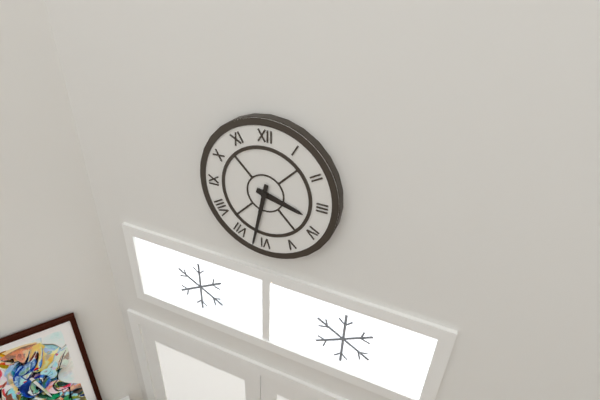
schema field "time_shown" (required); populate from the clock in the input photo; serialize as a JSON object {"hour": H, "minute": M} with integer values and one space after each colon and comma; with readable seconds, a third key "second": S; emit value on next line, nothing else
{"hour": 3, "minute": 32}
